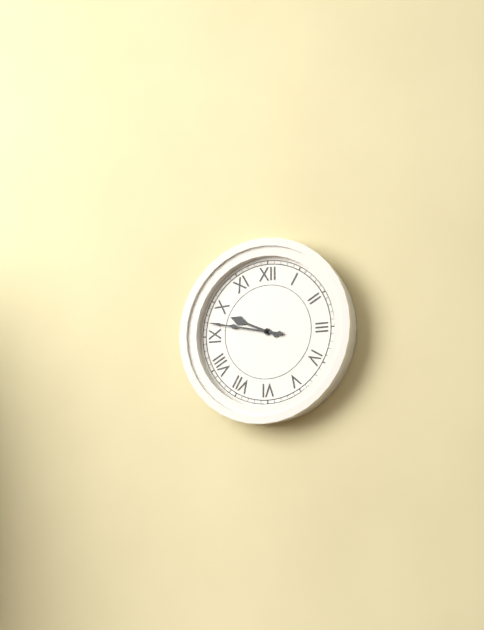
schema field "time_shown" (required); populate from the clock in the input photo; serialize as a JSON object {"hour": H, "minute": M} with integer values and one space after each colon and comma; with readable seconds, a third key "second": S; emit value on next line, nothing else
{"hour": 9, "minute": 47}
